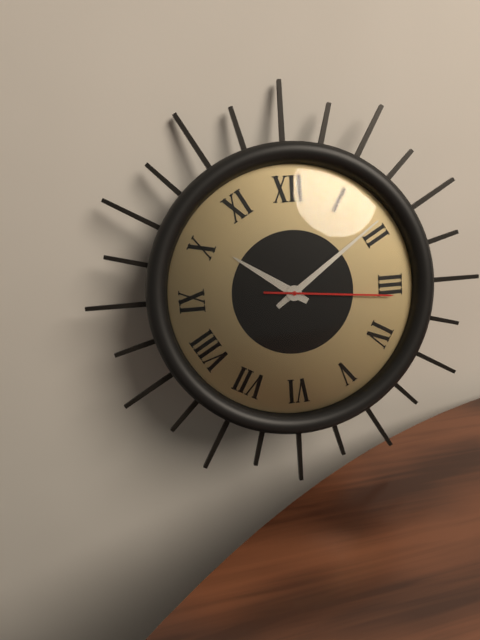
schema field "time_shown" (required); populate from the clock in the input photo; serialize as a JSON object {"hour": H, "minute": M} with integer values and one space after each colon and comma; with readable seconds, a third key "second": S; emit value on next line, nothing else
{"hour": 10, "minute": 9, "second": 16}
